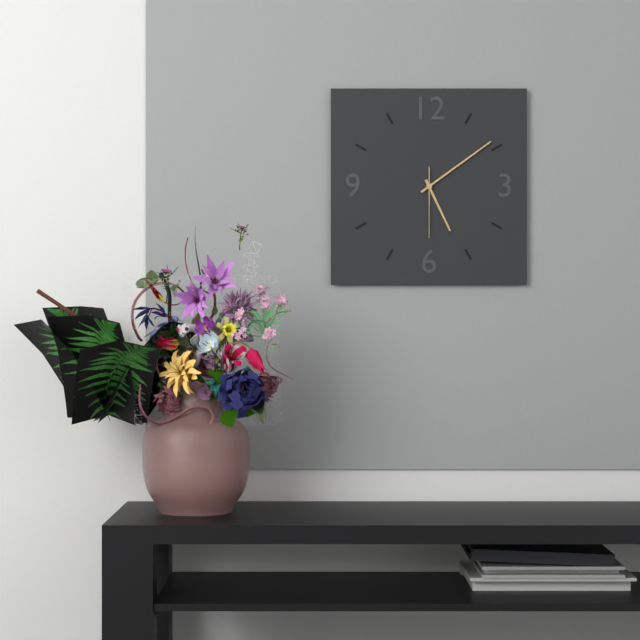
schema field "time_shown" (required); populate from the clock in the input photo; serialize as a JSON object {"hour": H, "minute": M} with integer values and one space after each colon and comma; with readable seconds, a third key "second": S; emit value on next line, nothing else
{"hour": 5, "minute": 9, "second": 30}
